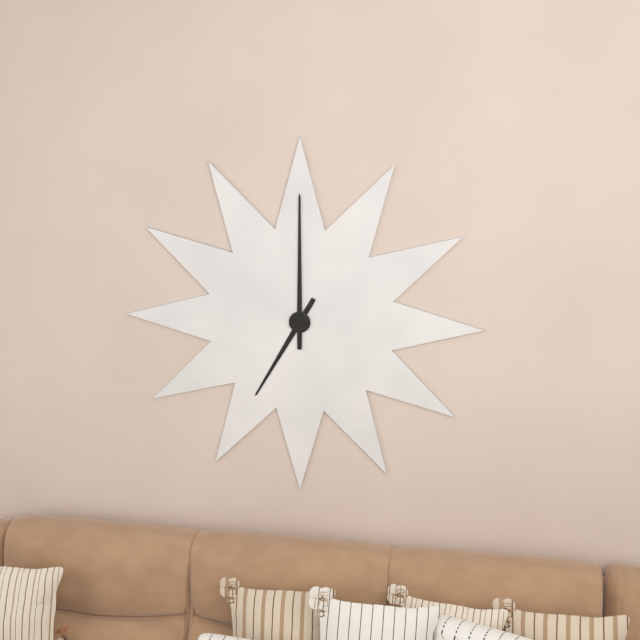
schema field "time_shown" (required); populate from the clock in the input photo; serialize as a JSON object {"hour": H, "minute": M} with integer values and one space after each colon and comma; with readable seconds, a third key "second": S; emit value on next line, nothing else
{"hour": 7, "minute": 0}
